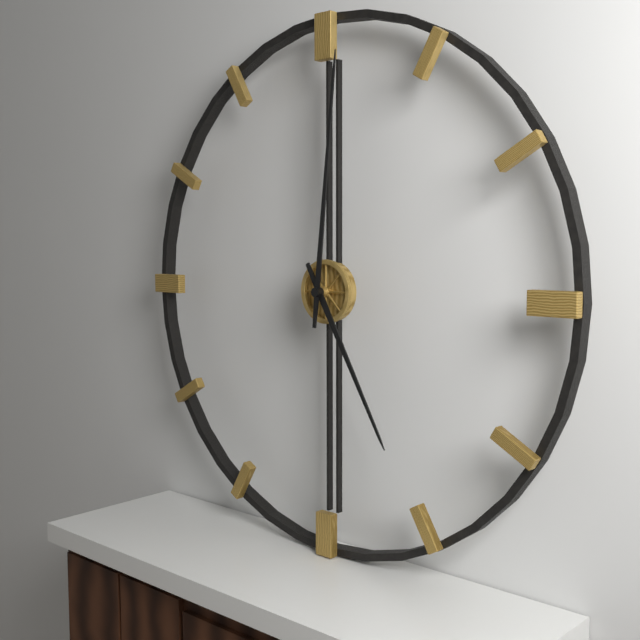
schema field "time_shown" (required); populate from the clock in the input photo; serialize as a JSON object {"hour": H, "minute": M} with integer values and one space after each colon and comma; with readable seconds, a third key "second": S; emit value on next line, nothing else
{"hour": 5, "minute": 1}
